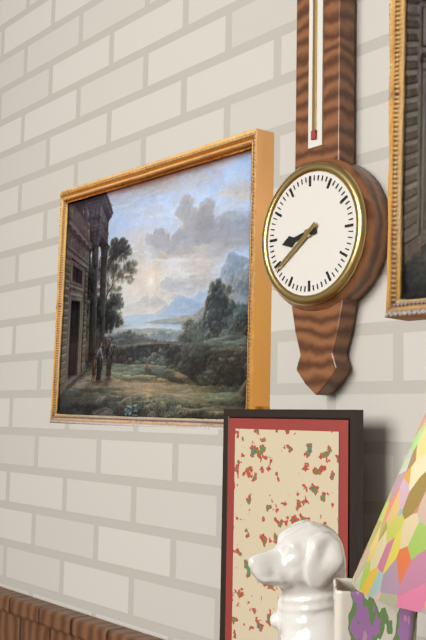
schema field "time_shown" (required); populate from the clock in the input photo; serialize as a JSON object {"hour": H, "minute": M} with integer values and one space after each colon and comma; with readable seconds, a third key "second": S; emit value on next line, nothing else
{"hour": 8, "minute": 39}
